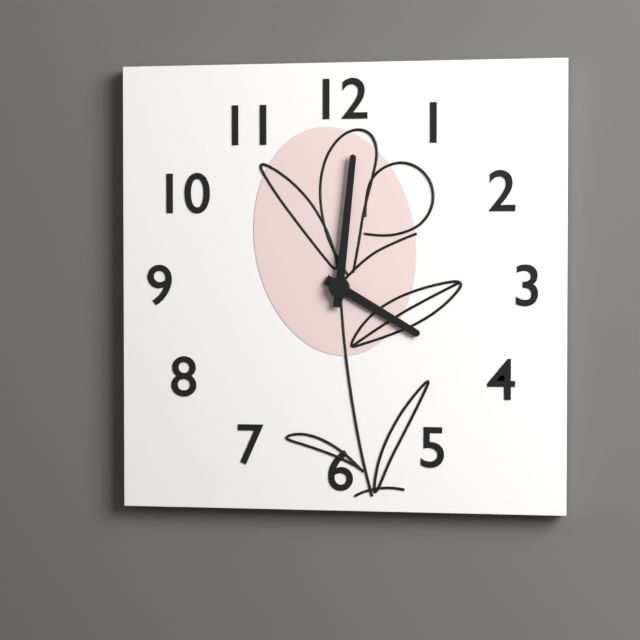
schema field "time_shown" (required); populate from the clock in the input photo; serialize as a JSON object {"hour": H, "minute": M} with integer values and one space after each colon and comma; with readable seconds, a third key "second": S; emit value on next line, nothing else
{"hour": 4, "minute": 1}
